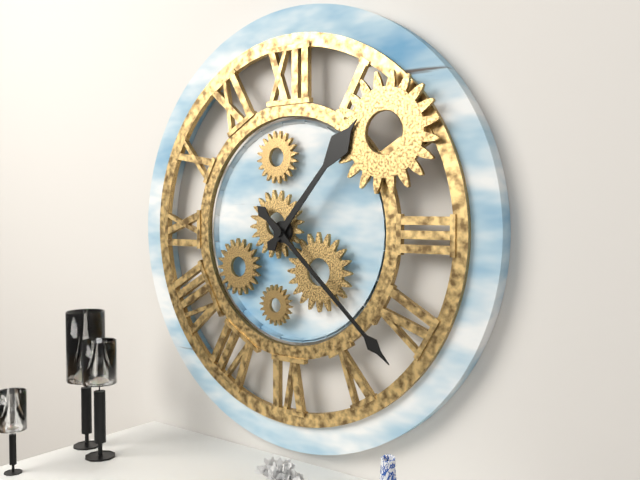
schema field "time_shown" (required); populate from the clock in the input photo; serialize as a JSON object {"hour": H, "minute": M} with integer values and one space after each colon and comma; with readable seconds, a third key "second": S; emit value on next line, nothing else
{"hour": 1, "minute": 22}
